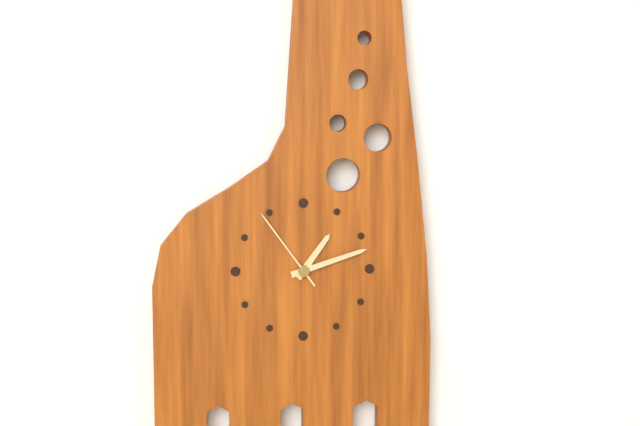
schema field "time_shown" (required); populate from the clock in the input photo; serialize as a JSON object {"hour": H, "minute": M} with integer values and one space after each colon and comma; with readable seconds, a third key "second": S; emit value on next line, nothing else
{"hour": 1, "minute": 12, "second": 54}
